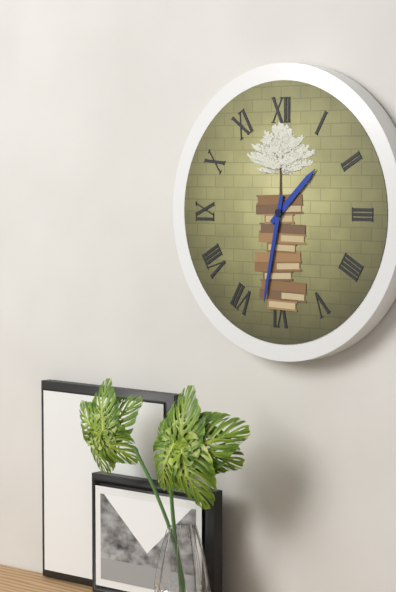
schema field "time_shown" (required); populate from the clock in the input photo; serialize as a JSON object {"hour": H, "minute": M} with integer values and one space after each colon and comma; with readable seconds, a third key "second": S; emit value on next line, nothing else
{"hour": 1, "minute": 32}
